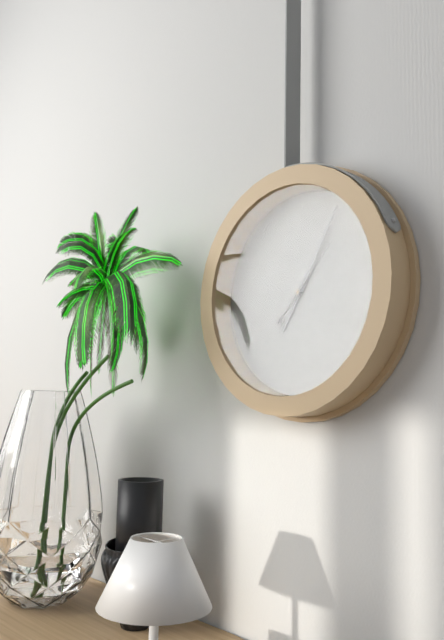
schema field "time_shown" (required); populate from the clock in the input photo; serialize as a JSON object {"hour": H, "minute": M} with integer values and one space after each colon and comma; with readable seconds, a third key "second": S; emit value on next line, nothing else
{"hour": 7, "minute": 5, "second": 7}
